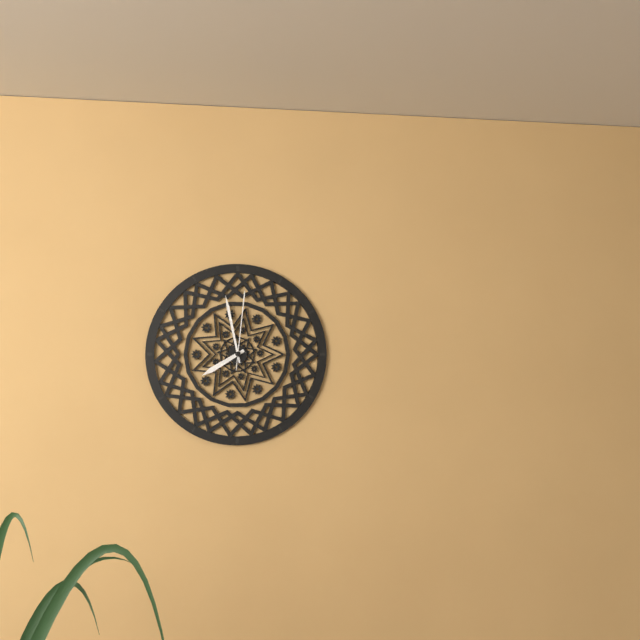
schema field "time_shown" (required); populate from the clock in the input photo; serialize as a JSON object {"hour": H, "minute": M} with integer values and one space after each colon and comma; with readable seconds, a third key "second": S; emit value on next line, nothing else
{"hour": 7, "minute": 58, "second": 1}
